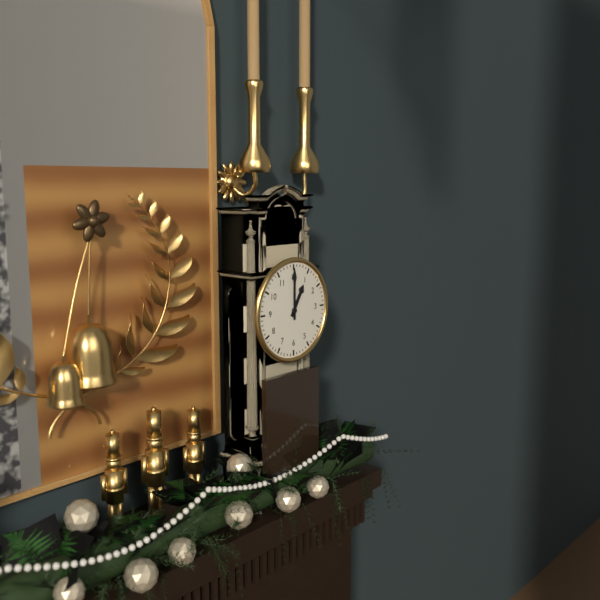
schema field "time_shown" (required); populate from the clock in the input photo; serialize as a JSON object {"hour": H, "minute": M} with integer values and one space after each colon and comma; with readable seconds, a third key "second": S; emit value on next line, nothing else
{"hour": 1, "minute": 0}
